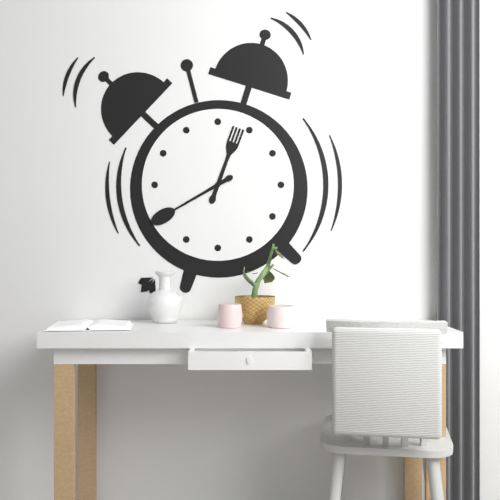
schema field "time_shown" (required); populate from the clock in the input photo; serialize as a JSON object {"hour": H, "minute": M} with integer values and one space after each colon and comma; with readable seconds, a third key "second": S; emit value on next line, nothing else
{"hour": 12, "minute": 40}
